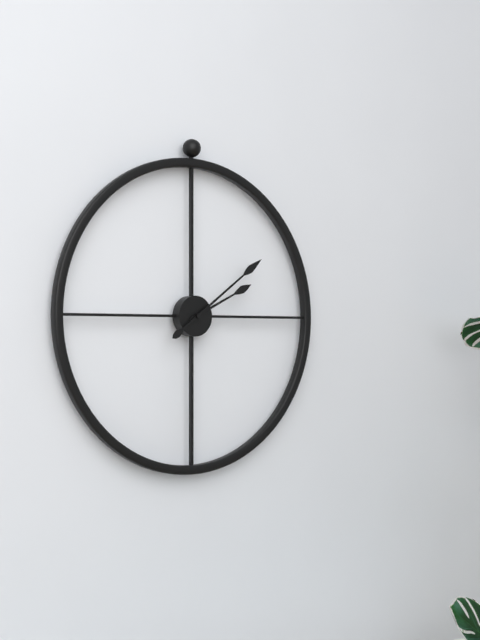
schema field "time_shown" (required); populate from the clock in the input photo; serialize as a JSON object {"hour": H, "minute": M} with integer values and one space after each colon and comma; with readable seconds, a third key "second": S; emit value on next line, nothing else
{"hour": 2, "minute": 9}
